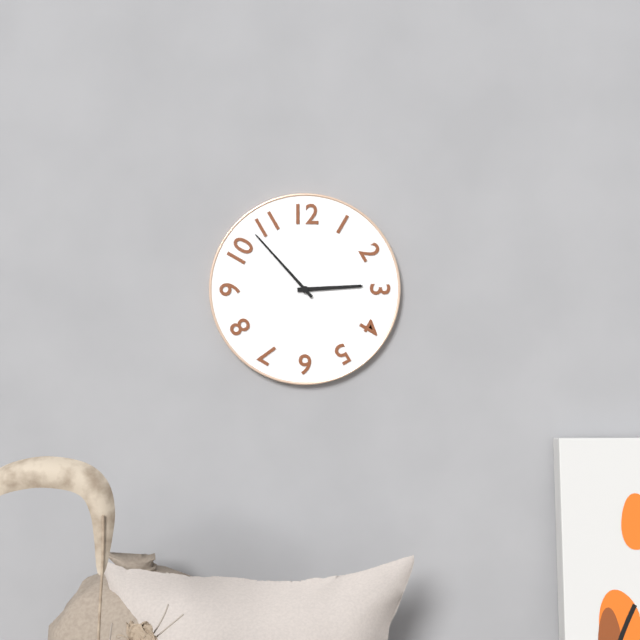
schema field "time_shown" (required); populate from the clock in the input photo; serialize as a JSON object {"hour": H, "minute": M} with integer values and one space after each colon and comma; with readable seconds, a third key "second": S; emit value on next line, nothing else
{"hour": 2, "minute": 53}
